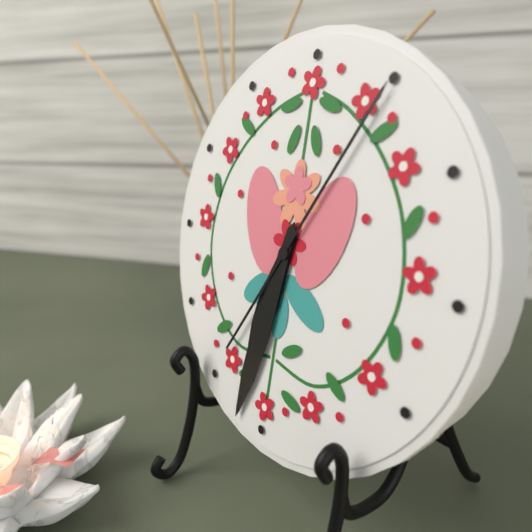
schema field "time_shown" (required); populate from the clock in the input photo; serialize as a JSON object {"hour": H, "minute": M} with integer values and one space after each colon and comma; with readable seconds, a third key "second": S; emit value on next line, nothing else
{"hour": 6, "minute": 32, "second": 5}
